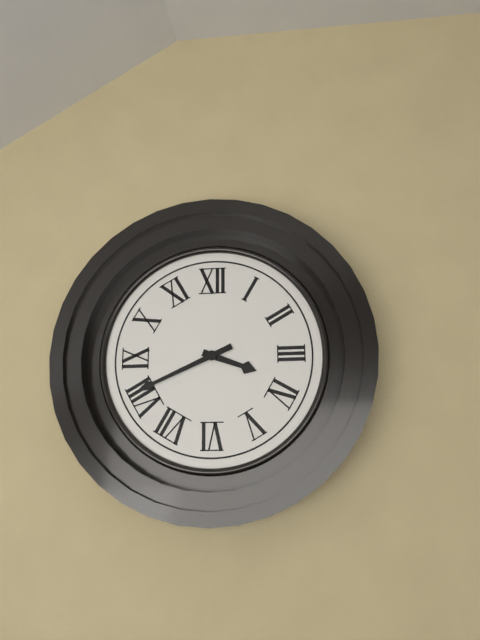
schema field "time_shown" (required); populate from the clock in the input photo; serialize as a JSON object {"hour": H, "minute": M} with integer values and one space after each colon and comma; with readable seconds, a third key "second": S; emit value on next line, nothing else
{"hour": 3, "minute": 41}
